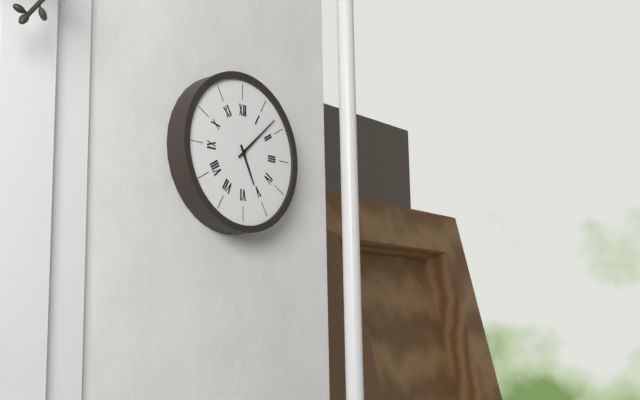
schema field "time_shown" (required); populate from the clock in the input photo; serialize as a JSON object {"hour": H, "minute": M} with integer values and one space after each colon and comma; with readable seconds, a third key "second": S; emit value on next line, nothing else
{"hour": 5, "minute": 8}
